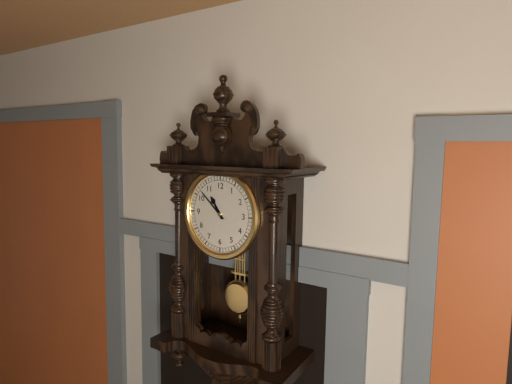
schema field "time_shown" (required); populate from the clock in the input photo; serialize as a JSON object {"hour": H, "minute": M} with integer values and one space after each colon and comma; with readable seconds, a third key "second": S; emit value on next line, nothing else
{"hour": 10, "minute": 52}
